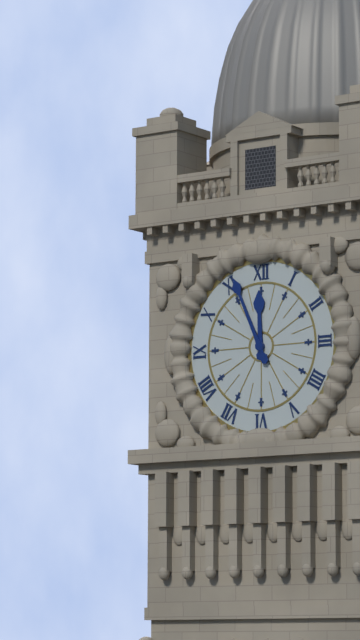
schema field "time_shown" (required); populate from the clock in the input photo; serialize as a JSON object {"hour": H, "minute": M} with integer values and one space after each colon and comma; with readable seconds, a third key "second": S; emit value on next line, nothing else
{"hour": 11, "minute": 56}
